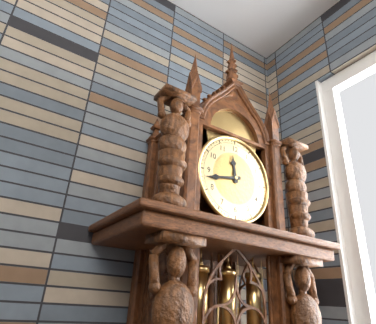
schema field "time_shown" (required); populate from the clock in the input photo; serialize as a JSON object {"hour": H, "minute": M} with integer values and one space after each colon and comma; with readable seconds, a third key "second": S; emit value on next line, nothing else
{"hour": 11, "minute": 43}
